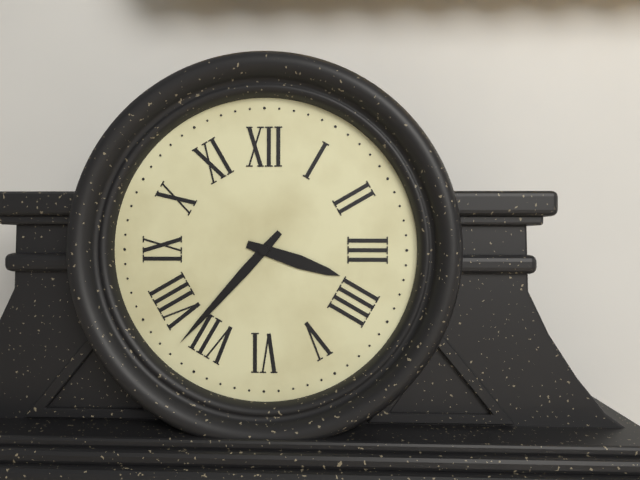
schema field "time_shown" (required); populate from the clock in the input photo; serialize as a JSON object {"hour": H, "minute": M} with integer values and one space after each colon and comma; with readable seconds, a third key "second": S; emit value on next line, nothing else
{"hour": 3, "minute": 37}
